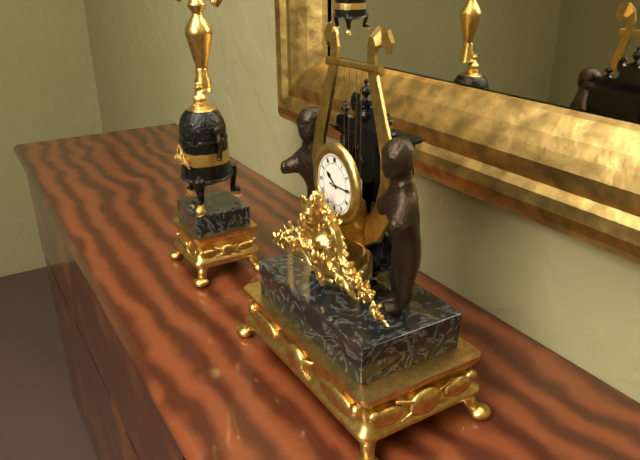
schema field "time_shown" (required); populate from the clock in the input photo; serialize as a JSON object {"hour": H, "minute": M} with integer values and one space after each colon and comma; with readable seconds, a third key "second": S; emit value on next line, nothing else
{"hour": 10, "minute": 15}
